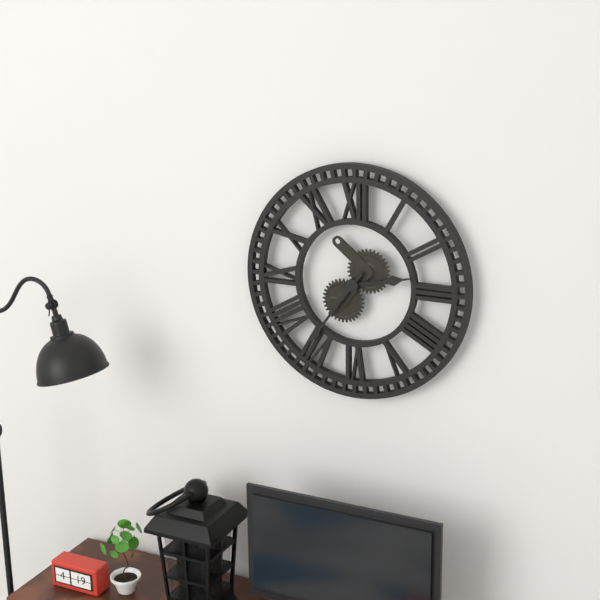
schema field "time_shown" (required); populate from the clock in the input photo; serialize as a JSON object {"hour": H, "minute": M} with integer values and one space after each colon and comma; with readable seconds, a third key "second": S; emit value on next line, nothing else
{"hour": 2, "minute": 36}
